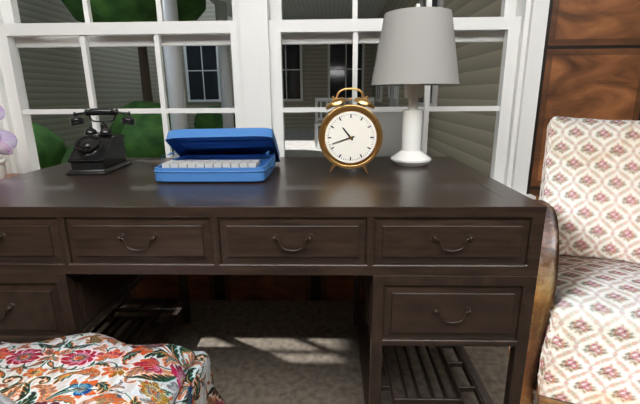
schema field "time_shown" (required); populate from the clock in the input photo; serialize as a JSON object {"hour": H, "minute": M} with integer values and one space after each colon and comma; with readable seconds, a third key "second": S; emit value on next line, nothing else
{"hour": 10, "minute": 42}
